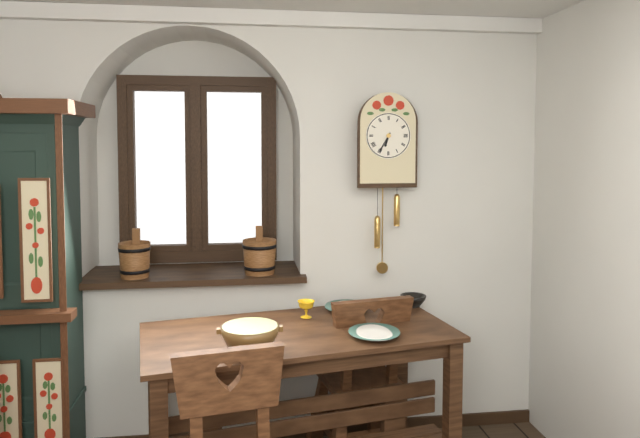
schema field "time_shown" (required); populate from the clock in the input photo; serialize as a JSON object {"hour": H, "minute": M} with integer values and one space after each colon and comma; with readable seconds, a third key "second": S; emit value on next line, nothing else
{"hour": 6, "minute": 35}
